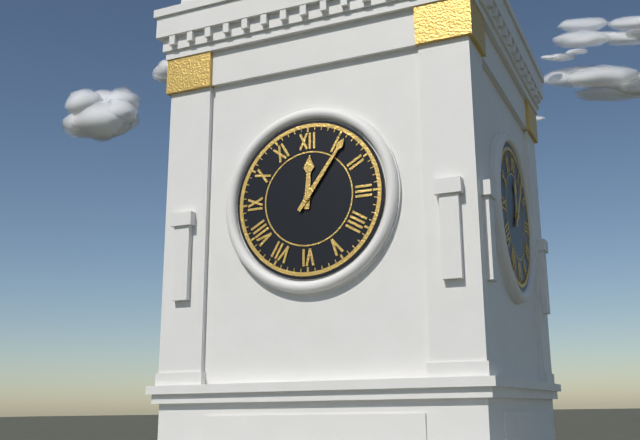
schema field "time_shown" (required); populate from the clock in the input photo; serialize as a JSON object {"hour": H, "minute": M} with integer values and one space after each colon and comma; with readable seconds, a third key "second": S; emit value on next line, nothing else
{"hour": 12, "minute": 6}
